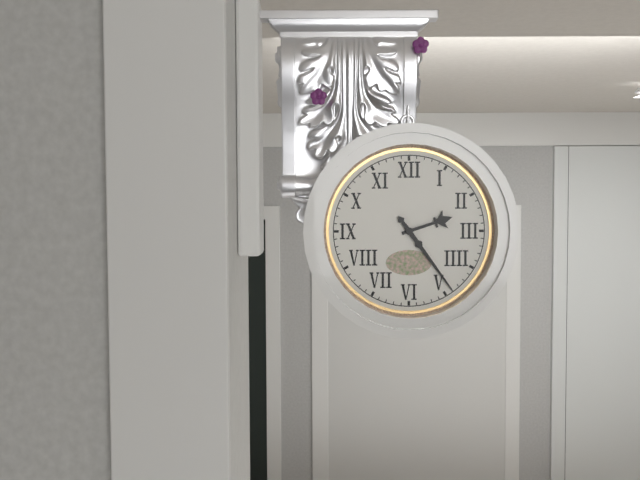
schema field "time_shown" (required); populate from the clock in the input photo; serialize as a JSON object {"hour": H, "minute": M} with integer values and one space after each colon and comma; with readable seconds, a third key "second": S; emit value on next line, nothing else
{"hour": 2, "minute": 24}
